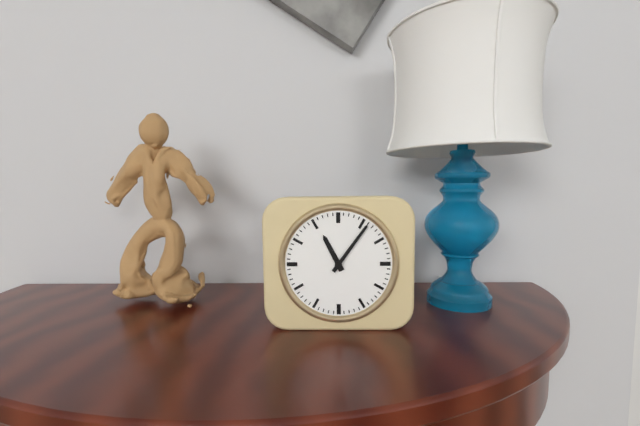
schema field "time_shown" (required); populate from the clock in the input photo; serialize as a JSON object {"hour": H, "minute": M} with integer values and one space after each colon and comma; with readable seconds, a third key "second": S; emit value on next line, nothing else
{"hour": 11, "minute": 6}
